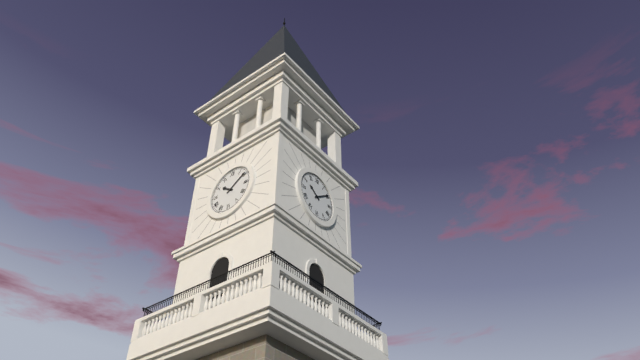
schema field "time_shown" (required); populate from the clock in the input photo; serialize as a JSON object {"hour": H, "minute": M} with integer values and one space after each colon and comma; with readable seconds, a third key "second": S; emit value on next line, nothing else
{"hour": 10, "minute": 9}
